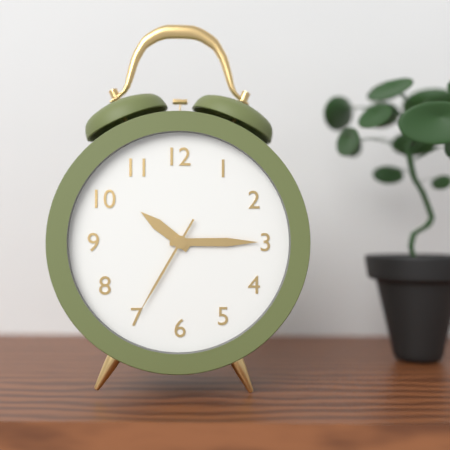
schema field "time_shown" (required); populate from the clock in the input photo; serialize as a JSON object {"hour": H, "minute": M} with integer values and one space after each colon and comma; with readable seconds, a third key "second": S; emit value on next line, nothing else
{"hour": 10, "minute": 15, "second": 35}
